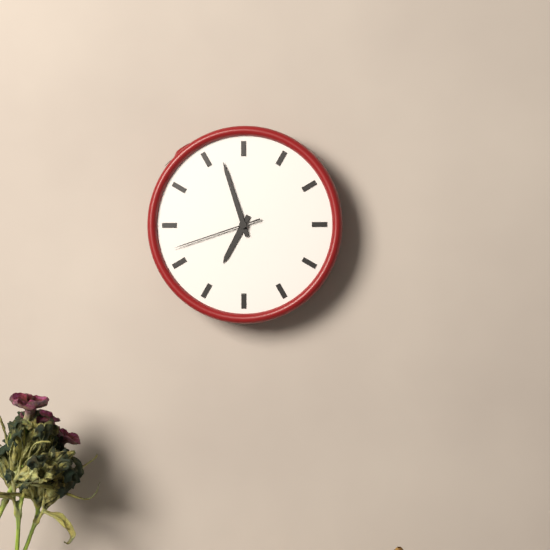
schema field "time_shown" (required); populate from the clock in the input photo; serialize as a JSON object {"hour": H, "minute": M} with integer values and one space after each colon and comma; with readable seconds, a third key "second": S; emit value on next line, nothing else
{"hour": 6, "minute": 57, "second": 42}
